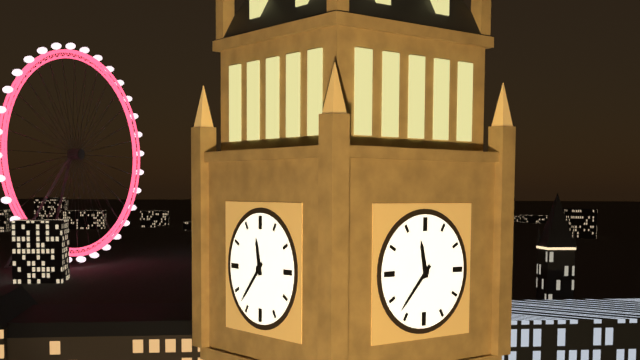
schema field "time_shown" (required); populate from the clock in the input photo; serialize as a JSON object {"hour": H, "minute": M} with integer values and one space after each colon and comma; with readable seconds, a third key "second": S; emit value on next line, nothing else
{"hour": 11, "minute": 37}
